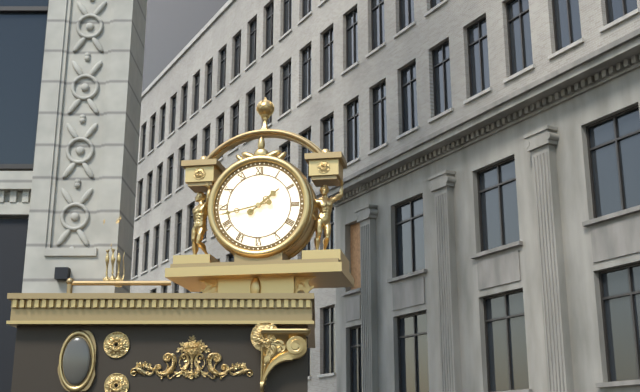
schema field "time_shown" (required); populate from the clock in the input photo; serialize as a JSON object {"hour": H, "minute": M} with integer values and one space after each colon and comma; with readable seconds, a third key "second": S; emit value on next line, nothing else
{"hour": 1, "minute": 43}
